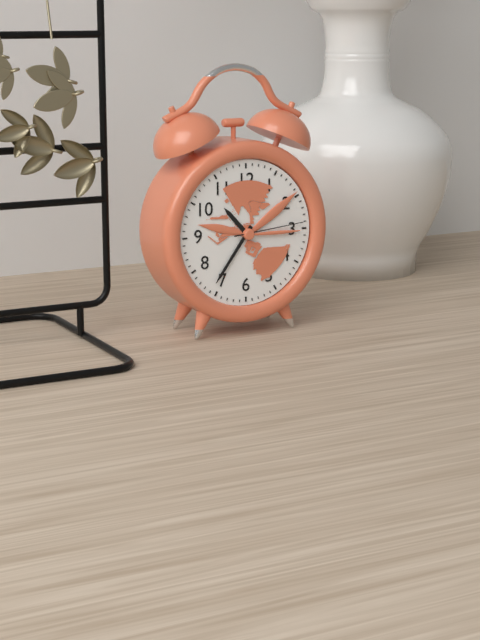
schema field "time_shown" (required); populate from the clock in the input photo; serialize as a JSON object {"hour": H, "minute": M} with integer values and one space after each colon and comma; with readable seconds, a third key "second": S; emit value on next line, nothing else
{"hour": 10, "minute": 36, "second": 14}
